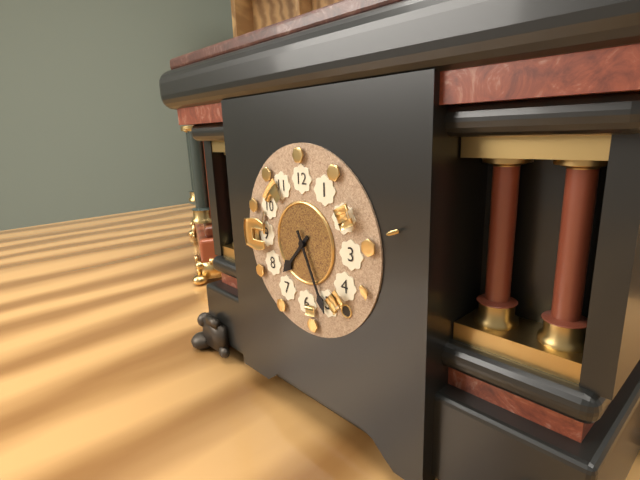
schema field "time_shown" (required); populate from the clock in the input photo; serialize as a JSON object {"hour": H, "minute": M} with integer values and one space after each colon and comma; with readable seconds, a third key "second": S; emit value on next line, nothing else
{"hour": 7, "minute": 26}
